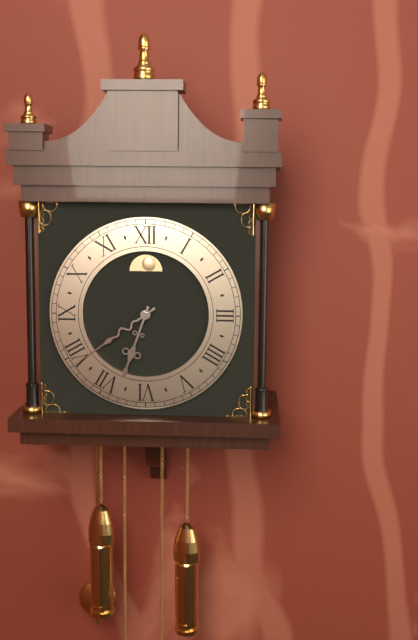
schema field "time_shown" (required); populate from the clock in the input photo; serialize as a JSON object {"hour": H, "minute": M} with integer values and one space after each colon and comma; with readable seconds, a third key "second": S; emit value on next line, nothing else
{"hour": 6, "minute": 39}
